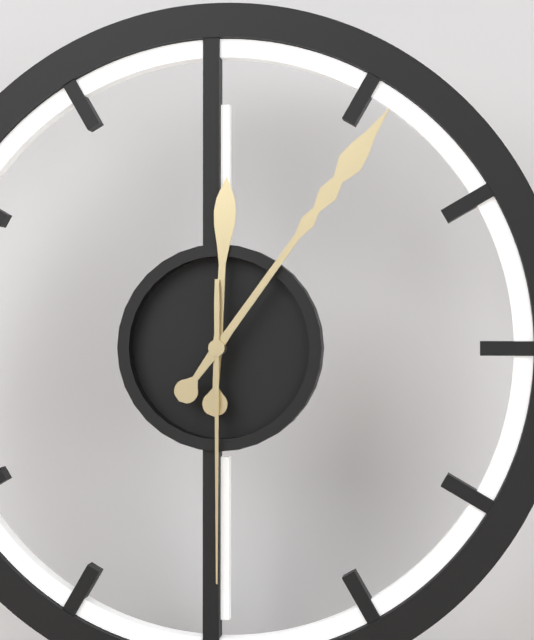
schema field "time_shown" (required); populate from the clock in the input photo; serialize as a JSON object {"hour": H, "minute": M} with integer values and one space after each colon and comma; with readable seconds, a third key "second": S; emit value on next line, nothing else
{"hour": 12, "minute": 6, "second": 30}
